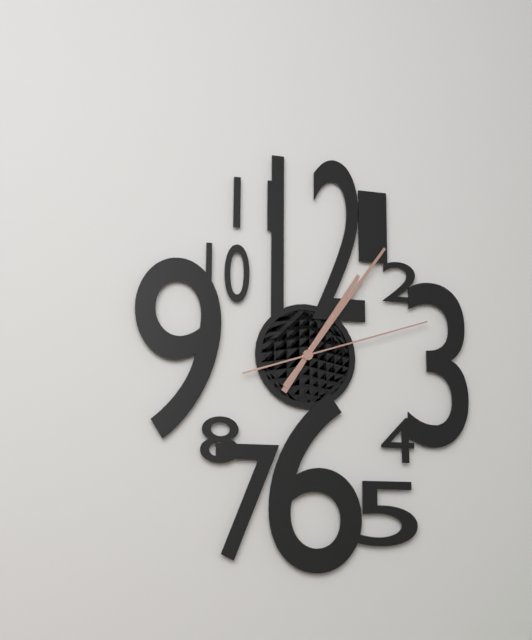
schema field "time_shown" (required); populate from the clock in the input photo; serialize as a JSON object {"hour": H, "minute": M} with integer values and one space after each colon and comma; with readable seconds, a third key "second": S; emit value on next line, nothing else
{"hour": 1, "minute": 6, "second": 12}
